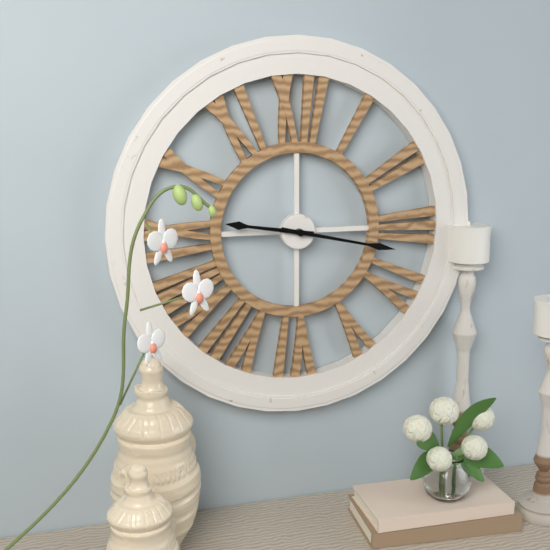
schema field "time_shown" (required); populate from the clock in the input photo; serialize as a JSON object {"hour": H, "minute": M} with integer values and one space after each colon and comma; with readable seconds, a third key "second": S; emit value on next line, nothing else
{"hour": 9, "minute": 17}
